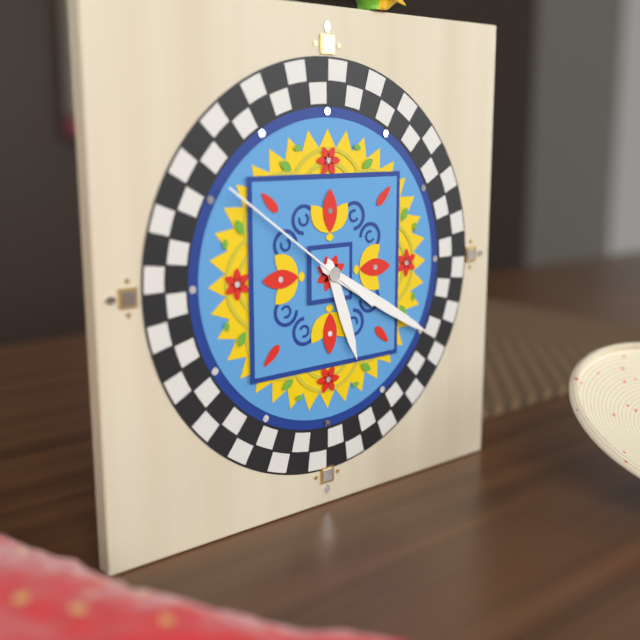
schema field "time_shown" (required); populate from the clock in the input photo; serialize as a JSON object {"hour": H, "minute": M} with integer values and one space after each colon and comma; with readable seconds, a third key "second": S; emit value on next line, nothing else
{"hour": 5, "minute": 20, "second": 51}
